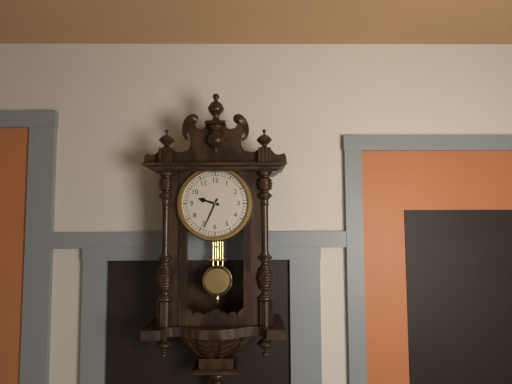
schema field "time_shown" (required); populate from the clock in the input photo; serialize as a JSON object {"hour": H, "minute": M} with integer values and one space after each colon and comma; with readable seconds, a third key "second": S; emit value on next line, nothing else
{"hour": 9, "minute": 34}
